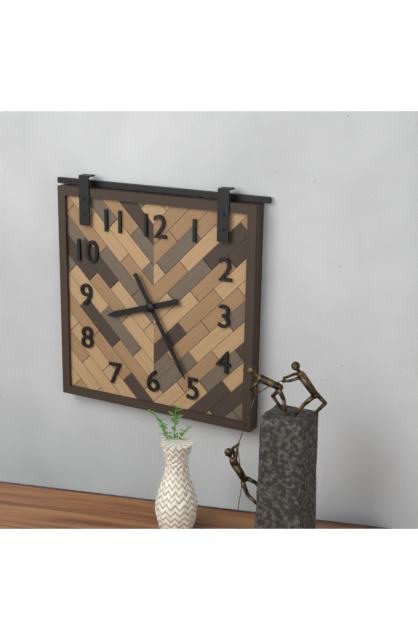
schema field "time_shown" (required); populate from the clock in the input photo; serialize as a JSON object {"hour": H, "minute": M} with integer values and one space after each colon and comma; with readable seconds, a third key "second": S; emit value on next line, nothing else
{"hour": 8, "minute": 25}
